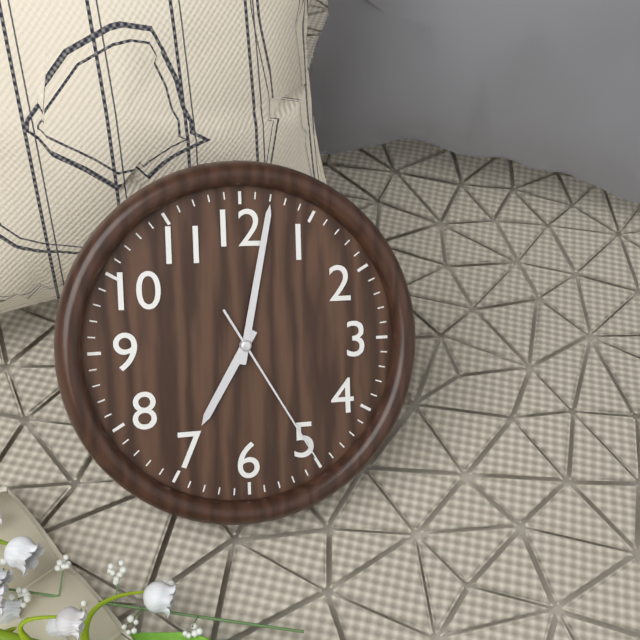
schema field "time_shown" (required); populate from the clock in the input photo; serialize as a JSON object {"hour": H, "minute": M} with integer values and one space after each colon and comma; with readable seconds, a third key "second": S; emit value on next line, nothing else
{"hour": 7, "minute": 2, "second": 25}
